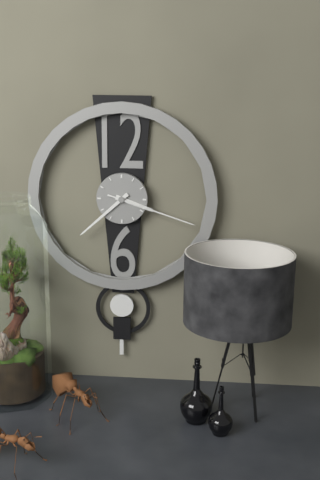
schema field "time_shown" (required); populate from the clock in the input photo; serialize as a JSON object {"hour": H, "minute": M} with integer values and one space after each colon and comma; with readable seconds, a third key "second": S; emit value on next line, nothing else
{"hour": 3, "minute": 38, "second": 18}
